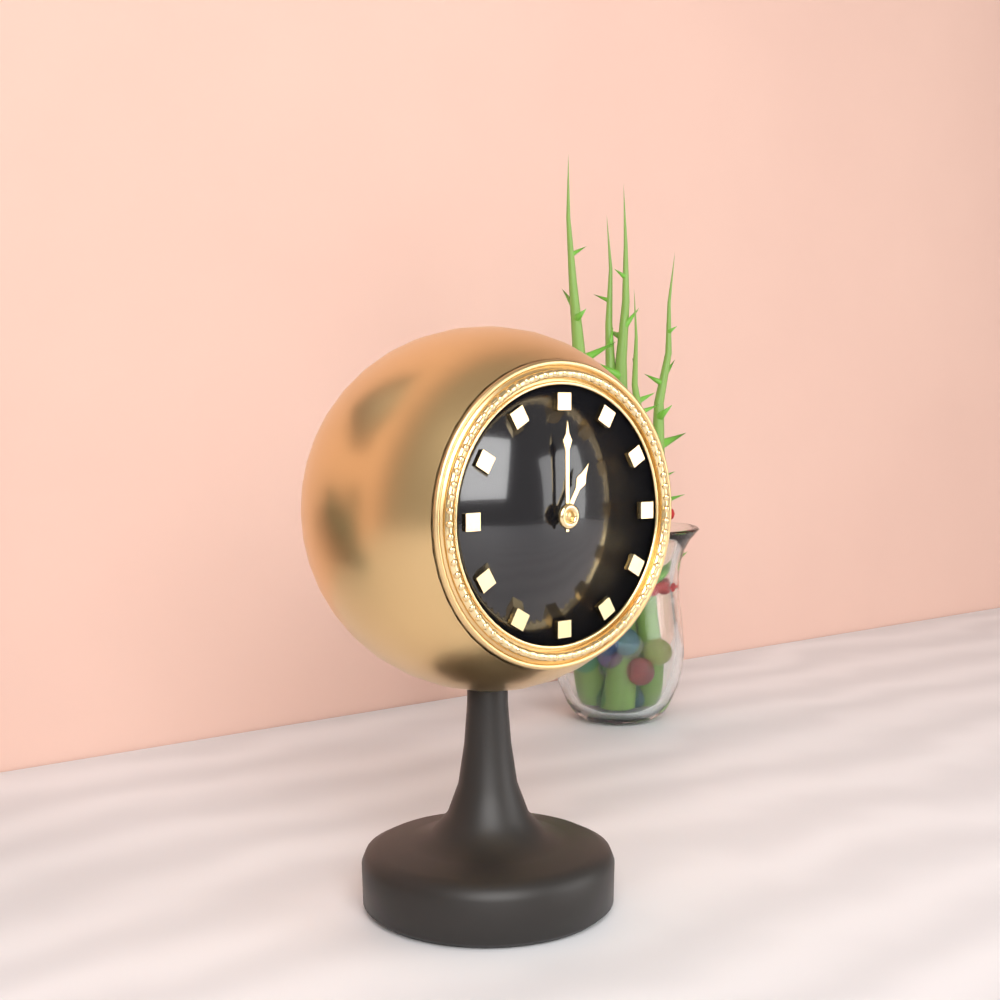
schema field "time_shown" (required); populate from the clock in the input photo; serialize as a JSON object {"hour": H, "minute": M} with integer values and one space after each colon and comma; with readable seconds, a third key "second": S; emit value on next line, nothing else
{"hour": 1, "minute": 0}
